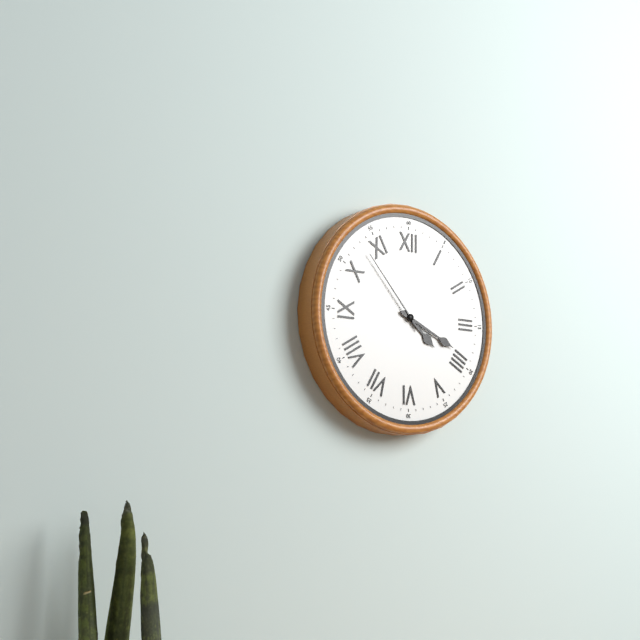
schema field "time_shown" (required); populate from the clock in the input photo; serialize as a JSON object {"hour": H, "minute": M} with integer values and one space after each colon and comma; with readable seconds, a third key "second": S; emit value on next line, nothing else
{"hour": 4, "minute": 19, "second": 53}
